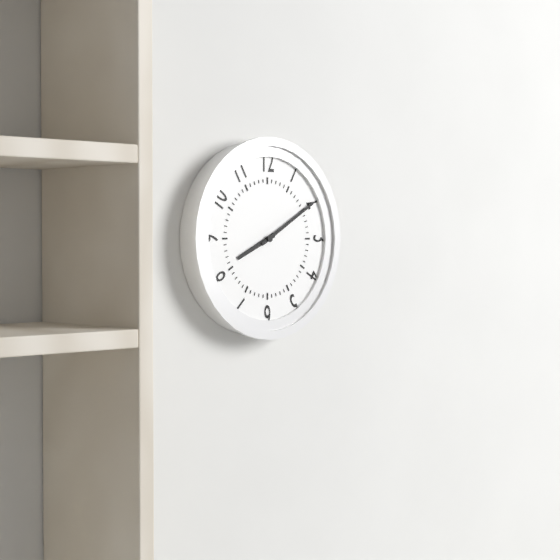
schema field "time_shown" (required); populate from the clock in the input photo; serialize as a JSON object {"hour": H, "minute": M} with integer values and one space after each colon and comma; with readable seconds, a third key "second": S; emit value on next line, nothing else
{"hour": 8, "minute": 10}
